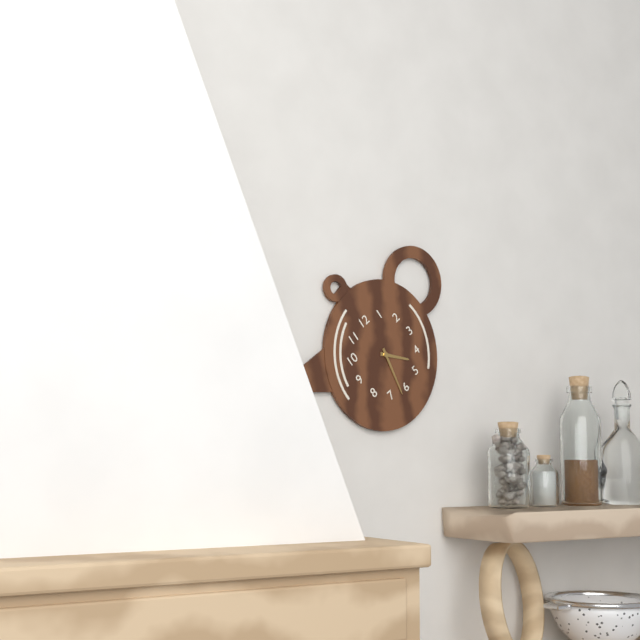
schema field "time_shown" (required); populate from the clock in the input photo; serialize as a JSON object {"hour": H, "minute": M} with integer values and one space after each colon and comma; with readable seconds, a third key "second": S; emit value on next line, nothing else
{"hour": 4, "minute": 32}
